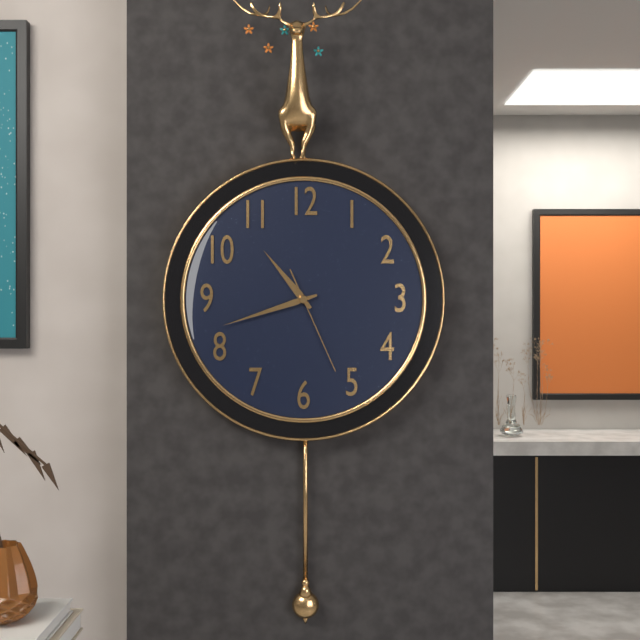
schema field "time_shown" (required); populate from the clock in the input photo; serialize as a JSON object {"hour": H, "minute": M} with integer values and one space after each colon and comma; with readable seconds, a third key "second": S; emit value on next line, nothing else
{"hour": 10, "minute": 42, "second": 26}
